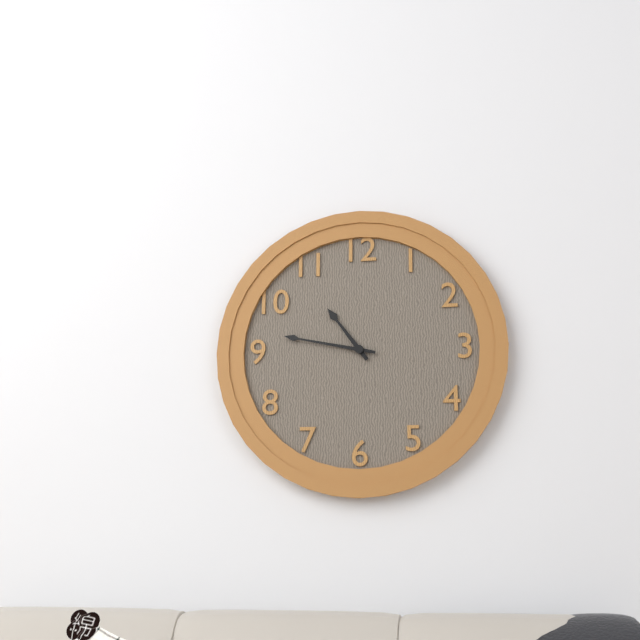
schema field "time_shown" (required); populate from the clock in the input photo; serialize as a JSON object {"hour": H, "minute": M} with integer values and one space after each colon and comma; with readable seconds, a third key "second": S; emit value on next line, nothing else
{"hour": 10, "minute": 47}
